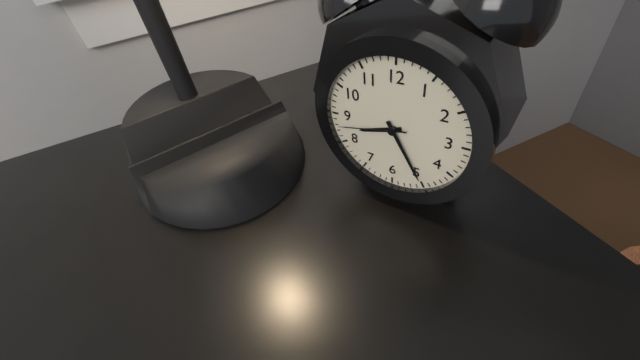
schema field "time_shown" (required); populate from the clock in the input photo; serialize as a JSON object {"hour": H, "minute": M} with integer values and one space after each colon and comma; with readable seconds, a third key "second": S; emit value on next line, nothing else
{"hour": 8, "minute": 25, "second": 43}
